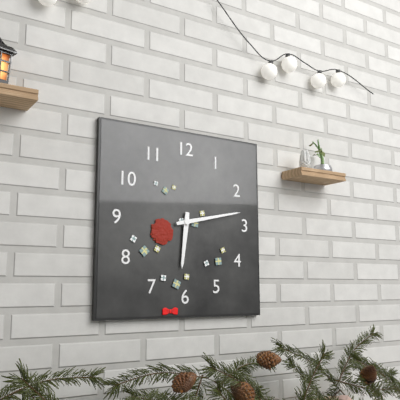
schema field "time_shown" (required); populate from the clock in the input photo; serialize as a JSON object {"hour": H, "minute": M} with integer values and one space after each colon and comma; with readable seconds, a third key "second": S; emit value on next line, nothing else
{"hour": 6, "minute": 13}
